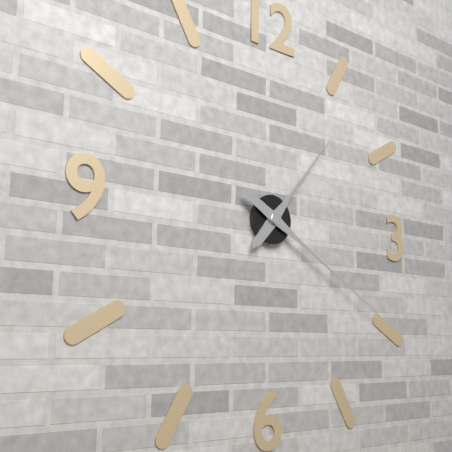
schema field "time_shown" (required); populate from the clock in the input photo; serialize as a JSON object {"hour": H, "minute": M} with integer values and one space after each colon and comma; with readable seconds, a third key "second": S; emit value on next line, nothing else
{"hour": 1, "minute": 20}
